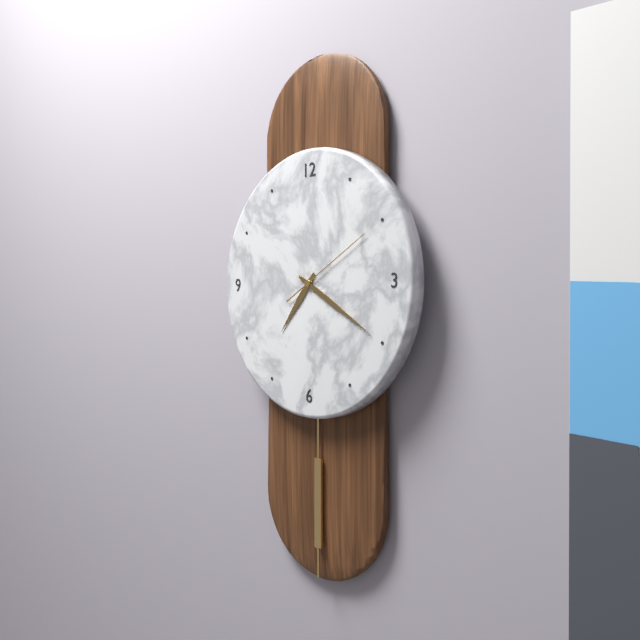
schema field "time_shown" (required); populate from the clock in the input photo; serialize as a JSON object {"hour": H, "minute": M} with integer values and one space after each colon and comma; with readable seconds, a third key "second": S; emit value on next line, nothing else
{"hour": 7, "minute": 20, "second": 10}
